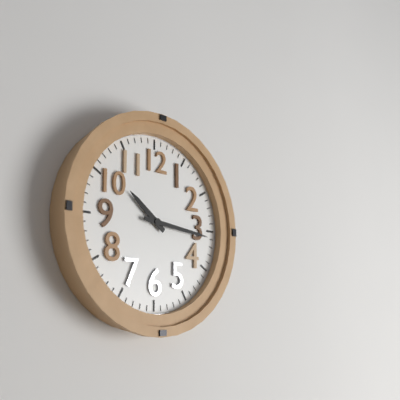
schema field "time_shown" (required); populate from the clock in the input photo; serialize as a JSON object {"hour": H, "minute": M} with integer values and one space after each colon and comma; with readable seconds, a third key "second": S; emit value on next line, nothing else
{"hour": 10, "minute": 16}
